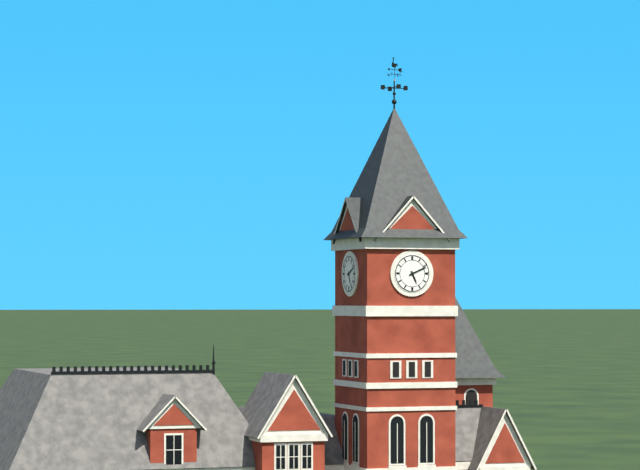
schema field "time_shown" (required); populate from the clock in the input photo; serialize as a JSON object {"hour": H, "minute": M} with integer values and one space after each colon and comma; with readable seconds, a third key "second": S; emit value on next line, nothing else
{"hour": 5, "minute": 11}
